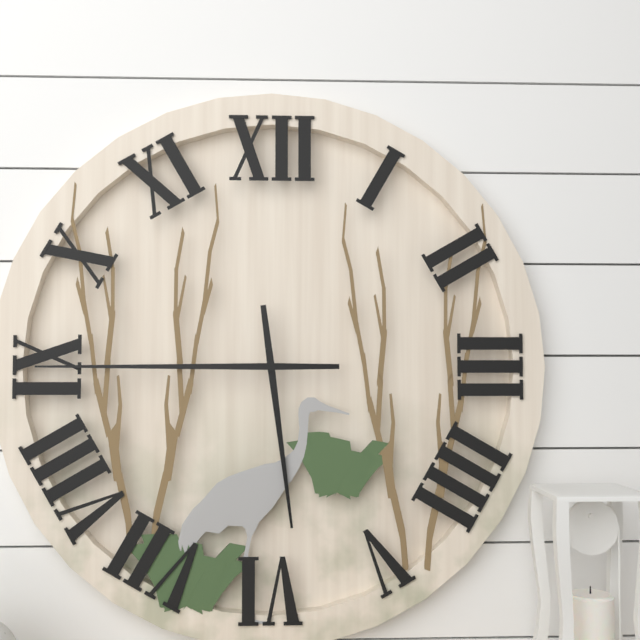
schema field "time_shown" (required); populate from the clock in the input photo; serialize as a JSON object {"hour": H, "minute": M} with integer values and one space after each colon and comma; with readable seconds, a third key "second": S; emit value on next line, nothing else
{"hour": 5, "minute": 45}
